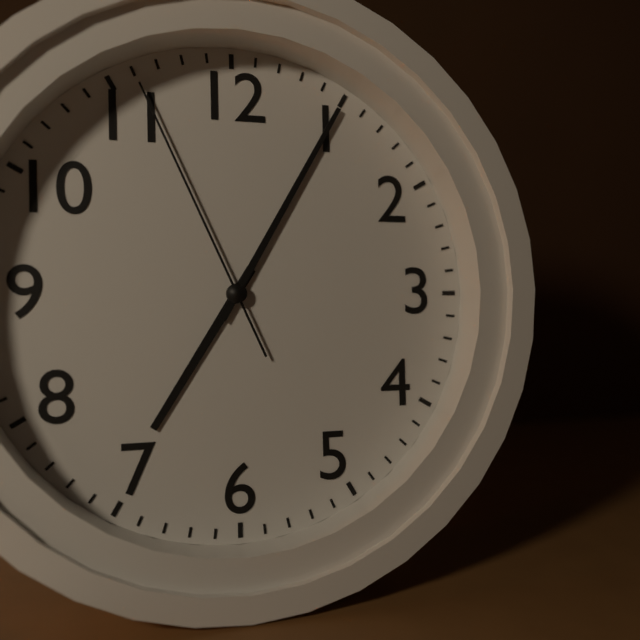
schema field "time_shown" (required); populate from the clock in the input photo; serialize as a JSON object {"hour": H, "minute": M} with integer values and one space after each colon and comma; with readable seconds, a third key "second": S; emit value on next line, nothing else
{"hour": 7, "minute": 5, "second": 56}
